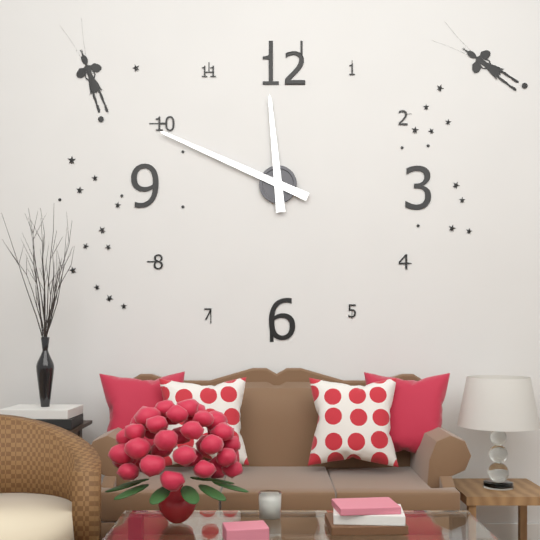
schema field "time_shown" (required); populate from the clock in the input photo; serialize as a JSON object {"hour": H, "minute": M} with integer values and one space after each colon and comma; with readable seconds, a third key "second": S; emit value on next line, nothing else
{"hour": 11, "minute": 49}
